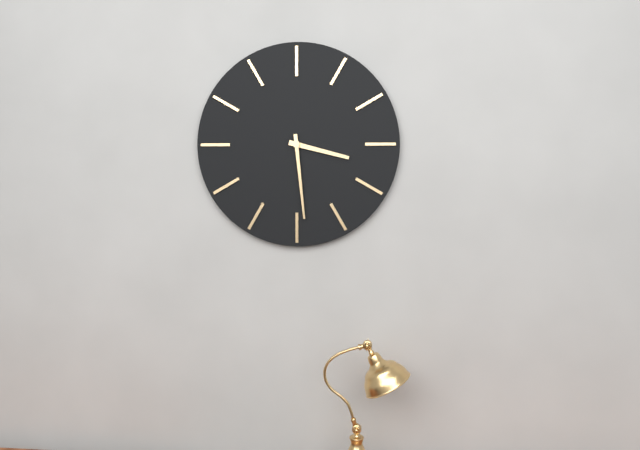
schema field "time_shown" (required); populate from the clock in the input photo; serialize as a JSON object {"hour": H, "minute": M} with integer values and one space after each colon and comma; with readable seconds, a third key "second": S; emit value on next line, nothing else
{"hour": 3, "minute": 29}
